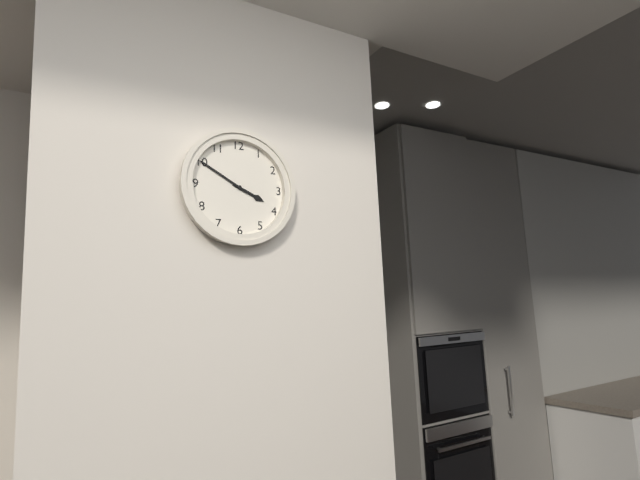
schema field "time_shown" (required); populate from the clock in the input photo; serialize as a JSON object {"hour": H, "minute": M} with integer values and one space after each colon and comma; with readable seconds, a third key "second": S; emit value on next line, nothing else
{"hour": 3, "minute": 50}
